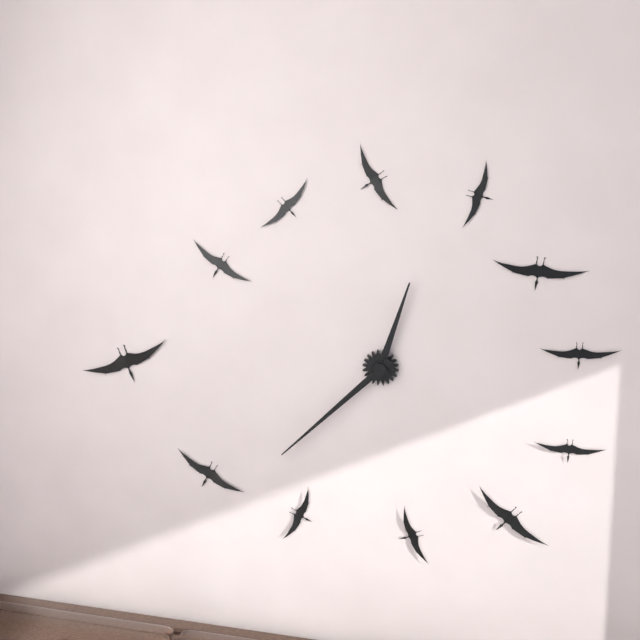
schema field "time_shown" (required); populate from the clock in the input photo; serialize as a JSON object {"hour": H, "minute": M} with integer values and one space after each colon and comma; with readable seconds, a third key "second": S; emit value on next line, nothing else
{"hour": 12, "minute": 38}
